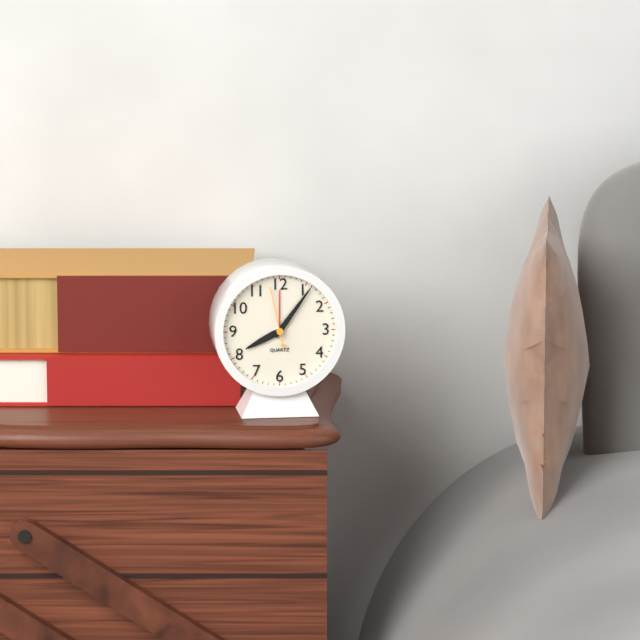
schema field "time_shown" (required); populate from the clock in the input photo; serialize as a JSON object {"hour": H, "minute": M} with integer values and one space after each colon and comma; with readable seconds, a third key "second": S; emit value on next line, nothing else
{"hour": 8, "minute": 6, "second": 58}
